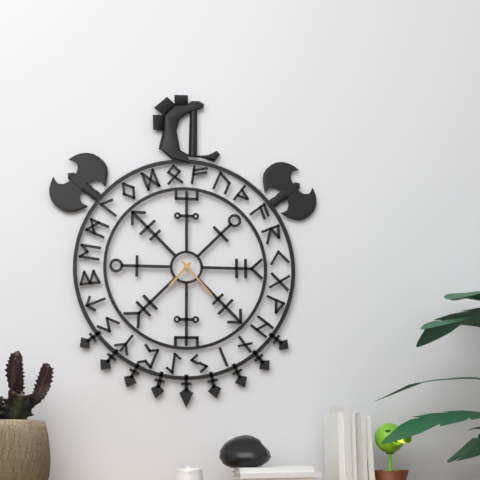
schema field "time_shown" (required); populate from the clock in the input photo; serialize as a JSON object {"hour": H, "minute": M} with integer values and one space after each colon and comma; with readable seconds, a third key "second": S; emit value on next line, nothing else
{"hour": 7, "minute": 23}
